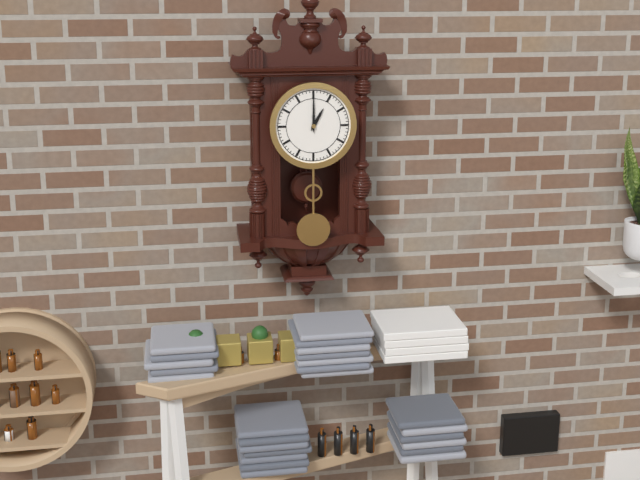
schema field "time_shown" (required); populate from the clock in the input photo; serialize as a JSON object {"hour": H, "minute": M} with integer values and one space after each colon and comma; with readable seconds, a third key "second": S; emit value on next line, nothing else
{"hour": 1, "minute": 0}
